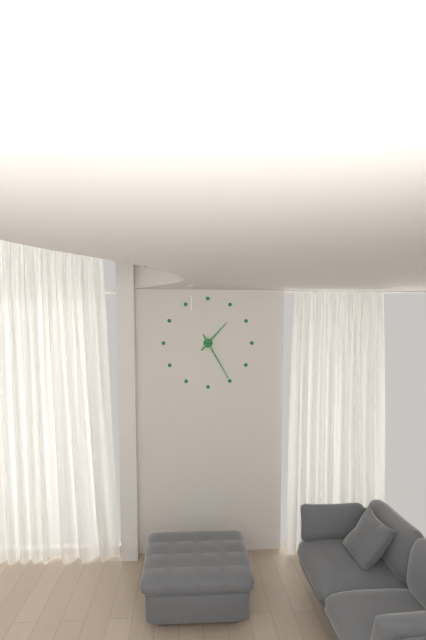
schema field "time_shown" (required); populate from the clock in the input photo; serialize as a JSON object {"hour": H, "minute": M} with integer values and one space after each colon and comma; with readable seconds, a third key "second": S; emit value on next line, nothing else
{"hour": 1, "minute": 25}
